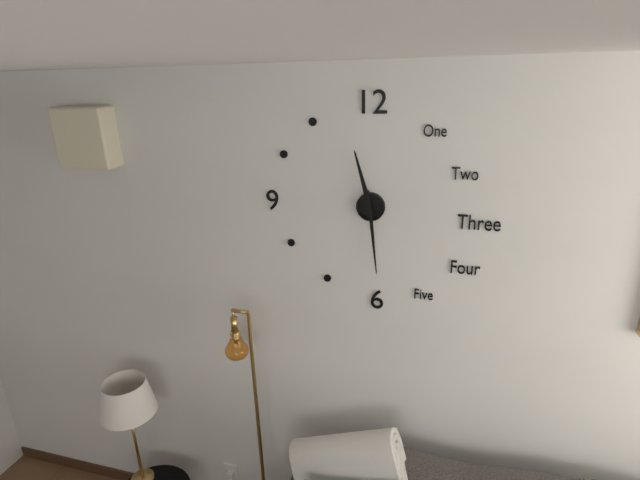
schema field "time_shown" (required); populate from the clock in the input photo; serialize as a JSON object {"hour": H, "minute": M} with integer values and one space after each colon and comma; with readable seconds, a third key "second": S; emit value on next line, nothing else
{"hour": 11, "minute": 29}
